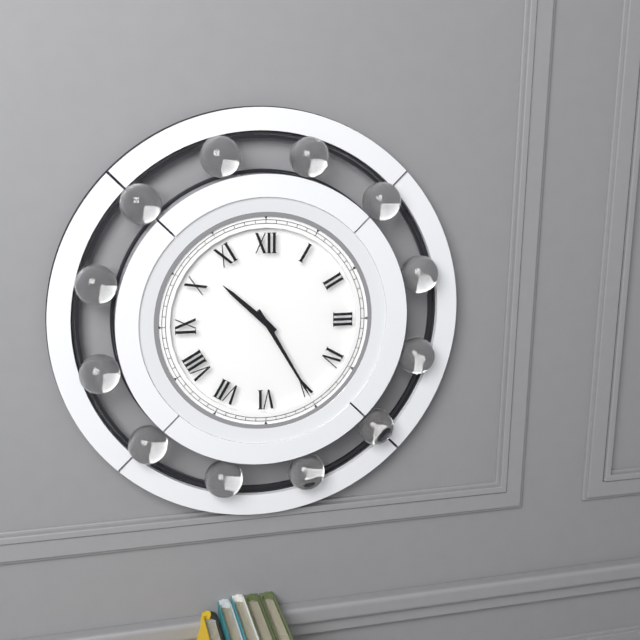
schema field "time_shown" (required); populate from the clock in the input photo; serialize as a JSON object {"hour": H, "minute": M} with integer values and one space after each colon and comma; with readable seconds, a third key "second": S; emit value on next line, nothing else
{"hour": 10, "minute": 25}
